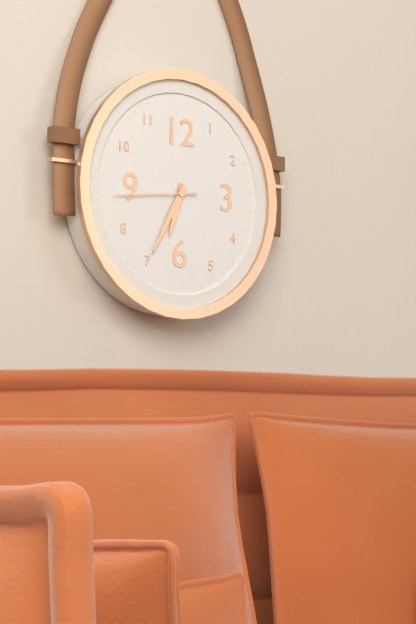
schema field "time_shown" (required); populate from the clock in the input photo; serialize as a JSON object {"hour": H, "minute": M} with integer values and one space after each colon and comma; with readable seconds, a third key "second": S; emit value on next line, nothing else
{"hour": 6, "minute": 35, "second": 44}
